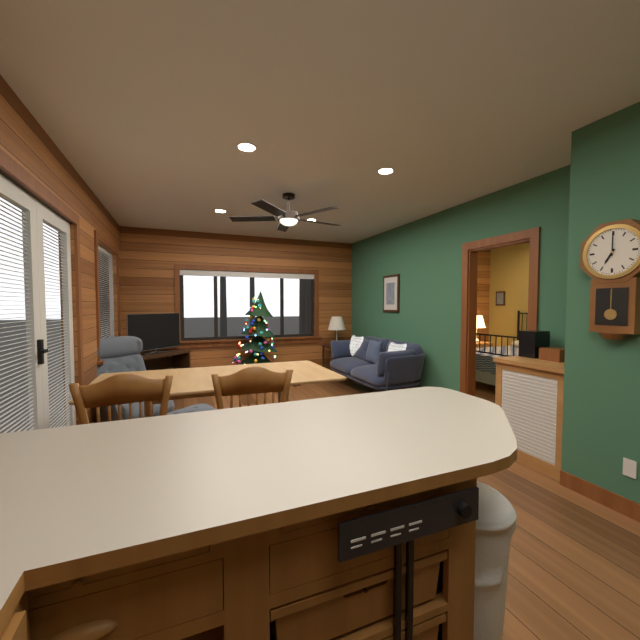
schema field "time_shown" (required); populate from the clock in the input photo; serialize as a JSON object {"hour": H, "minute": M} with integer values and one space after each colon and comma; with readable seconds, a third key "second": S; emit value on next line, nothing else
{"hour": 7, "minute": 0}
